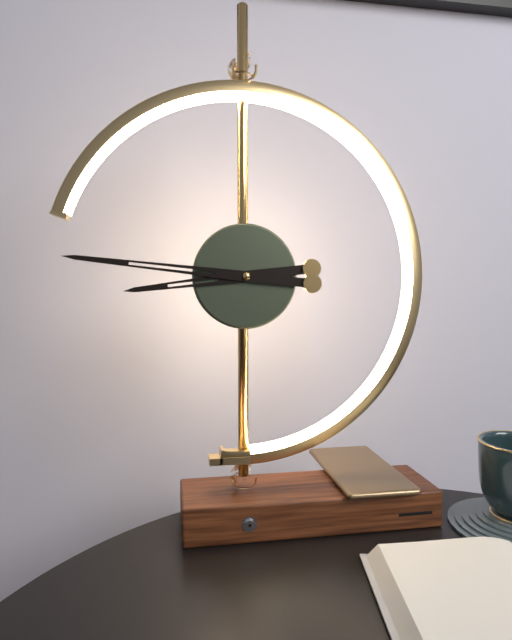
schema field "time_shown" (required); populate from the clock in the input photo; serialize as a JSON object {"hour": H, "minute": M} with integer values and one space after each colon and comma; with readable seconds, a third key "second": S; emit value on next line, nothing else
{"hour": 8, "minute": 46}
